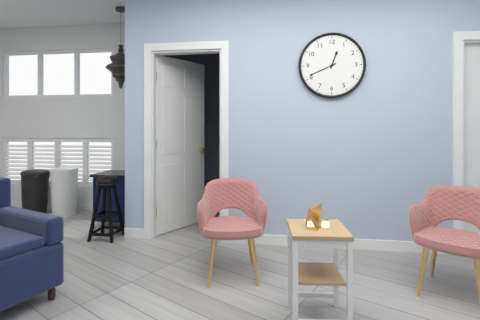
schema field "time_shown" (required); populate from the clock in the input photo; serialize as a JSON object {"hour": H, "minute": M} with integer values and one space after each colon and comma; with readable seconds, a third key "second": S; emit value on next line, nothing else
{"hour": 12, "minute": 41}
